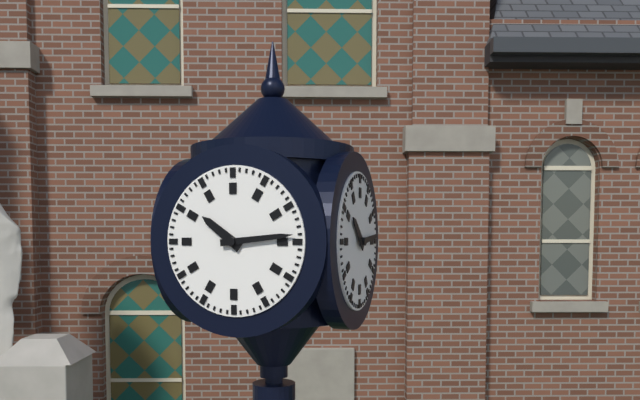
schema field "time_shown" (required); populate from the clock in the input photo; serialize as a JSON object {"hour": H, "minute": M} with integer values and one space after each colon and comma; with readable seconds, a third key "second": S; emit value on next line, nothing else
{"hour": 10, "minute": 14}
